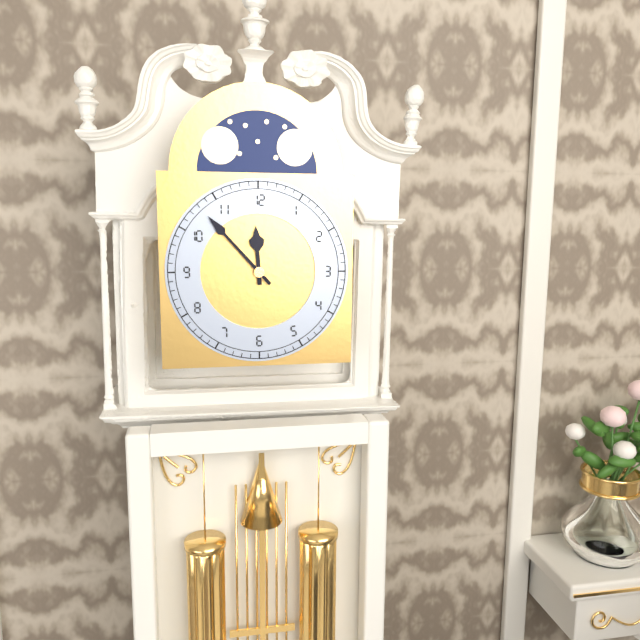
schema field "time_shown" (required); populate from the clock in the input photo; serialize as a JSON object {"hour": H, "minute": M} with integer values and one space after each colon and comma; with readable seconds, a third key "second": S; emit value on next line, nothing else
{"hour": 11, "minute": 53}
